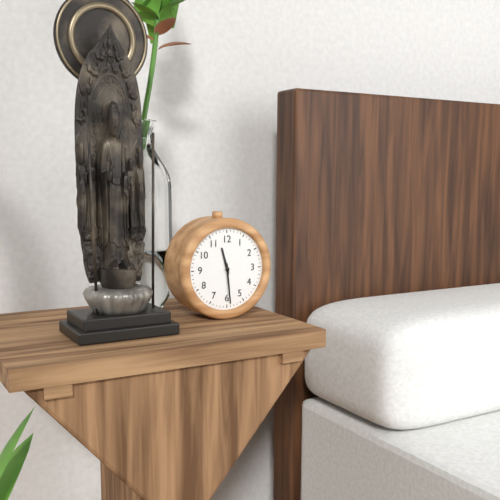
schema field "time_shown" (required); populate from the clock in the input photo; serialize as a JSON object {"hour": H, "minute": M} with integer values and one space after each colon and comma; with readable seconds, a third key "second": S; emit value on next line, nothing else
{"hour": 11, "minute": 29}
